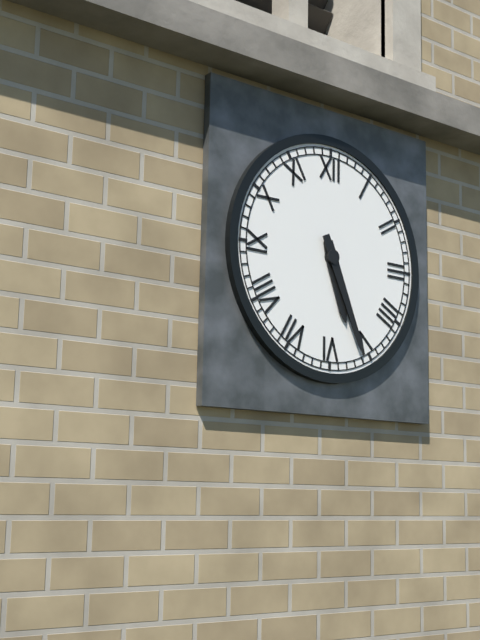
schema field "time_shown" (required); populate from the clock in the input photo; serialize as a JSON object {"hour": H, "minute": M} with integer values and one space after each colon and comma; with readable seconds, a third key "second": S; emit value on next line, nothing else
{"hour": 5, "minute": 26}
